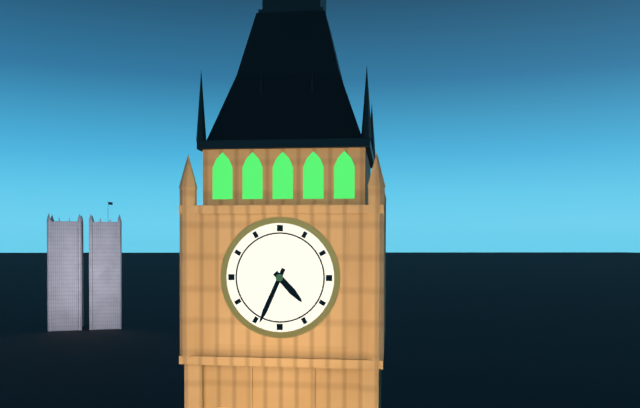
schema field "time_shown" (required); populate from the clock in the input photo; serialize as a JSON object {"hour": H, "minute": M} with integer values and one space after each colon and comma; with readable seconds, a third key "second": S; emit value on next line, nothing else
{"hour": 4, "minute": 34}
